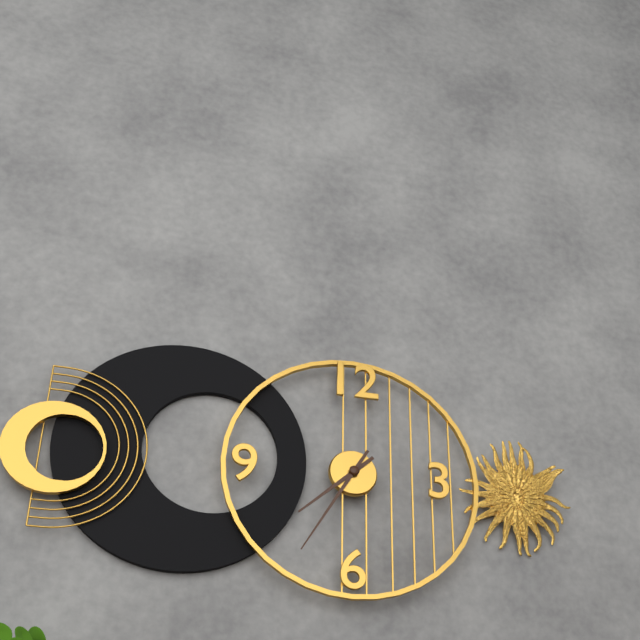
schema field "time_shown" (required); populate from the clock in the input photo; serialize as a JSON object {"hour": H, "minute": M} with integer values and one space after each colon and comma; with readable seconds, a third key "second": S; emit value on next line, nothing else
{"hour": 7, "minute": 35}
